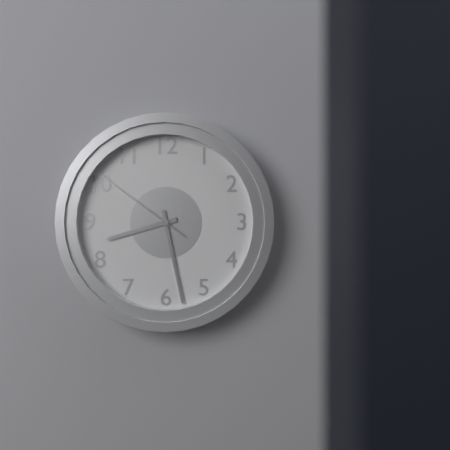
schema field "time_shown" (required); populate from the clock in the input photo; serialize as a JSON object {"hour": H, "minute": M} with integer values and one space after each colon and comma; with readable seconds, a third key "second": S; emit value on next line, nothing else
{"hour": 8, "minute": 28, "second": 51}
